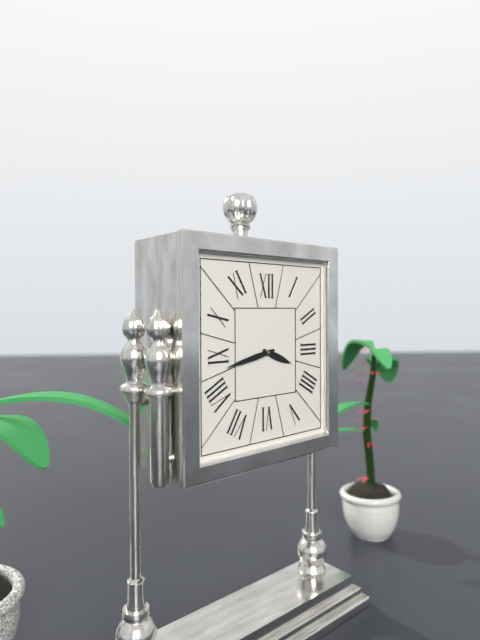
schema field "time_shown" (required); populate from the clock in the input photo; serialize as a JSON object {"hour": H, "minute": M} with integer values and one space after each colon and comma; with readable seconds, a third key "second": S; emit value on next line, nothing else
{"hour": 3, "minute": 43}
